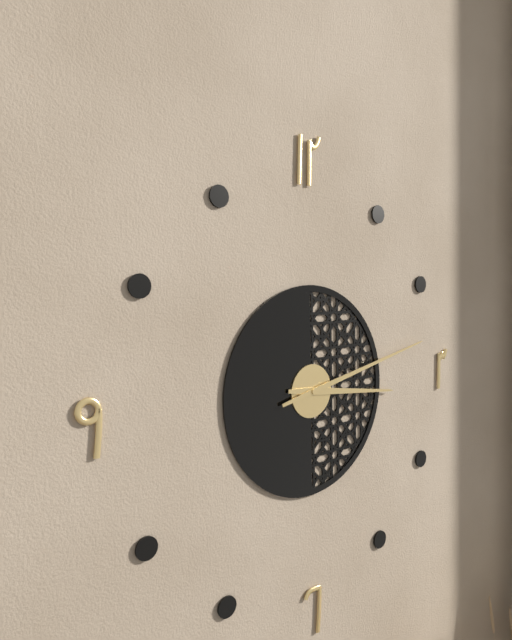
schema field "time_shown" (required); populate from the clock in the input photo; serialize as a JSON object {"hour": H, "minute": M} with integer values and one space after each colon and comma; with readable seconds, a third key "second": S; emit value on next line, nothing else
{"hour": 3, "minute": 13}
